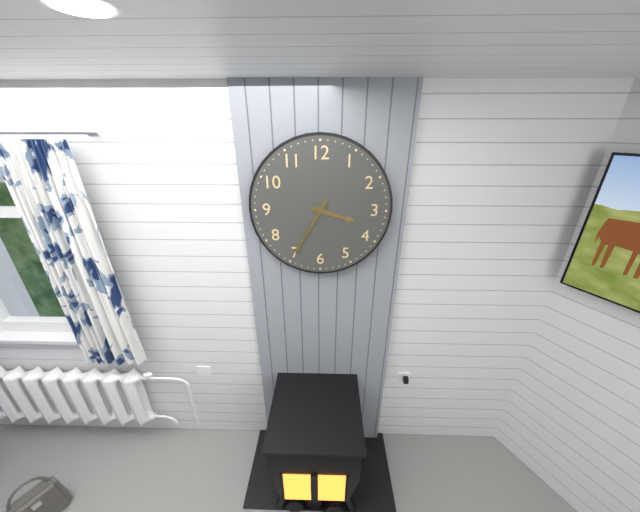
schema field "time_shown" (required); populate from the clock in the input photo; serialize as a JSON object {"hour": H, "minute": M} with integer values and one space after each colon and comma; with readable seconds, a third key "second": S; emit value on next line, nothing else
{"hour": 3, "minute": 35}
